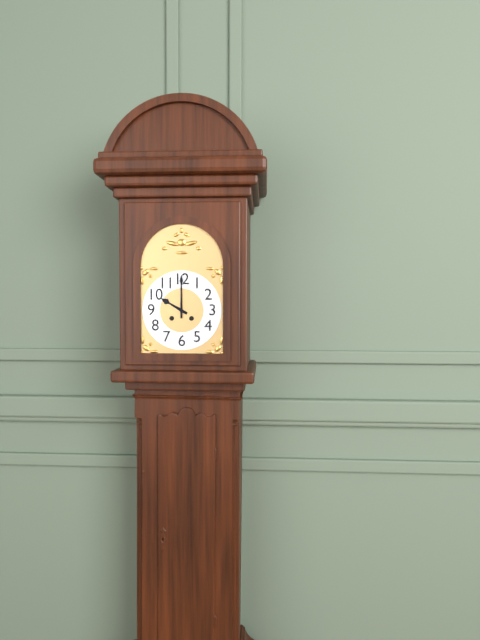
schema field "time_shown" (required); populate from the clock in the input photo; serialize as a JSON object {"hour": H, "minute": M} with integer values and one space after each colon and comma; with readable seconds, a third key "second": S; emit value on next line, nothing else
{"hour": 10, "minute": 0}
